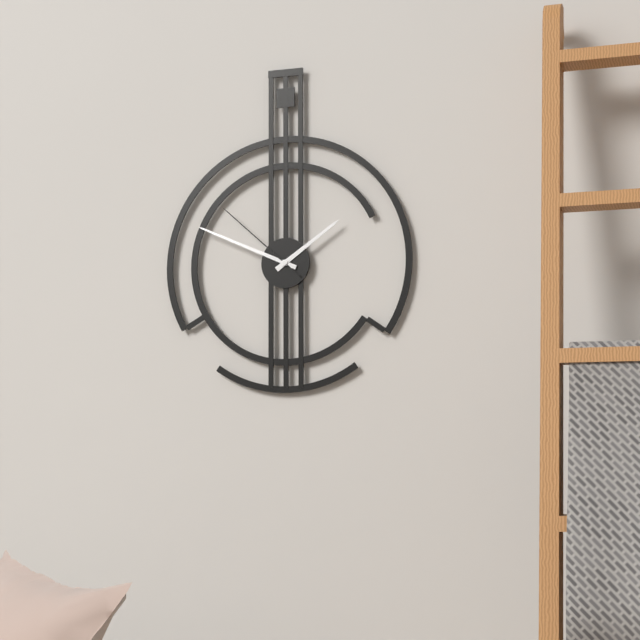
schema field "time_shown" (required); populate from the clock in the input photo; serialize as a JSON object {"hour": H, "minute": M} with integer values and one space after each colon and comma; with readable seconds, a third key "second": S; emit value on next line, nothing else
{"hour": 1, "minute": 49, "second": 52}
